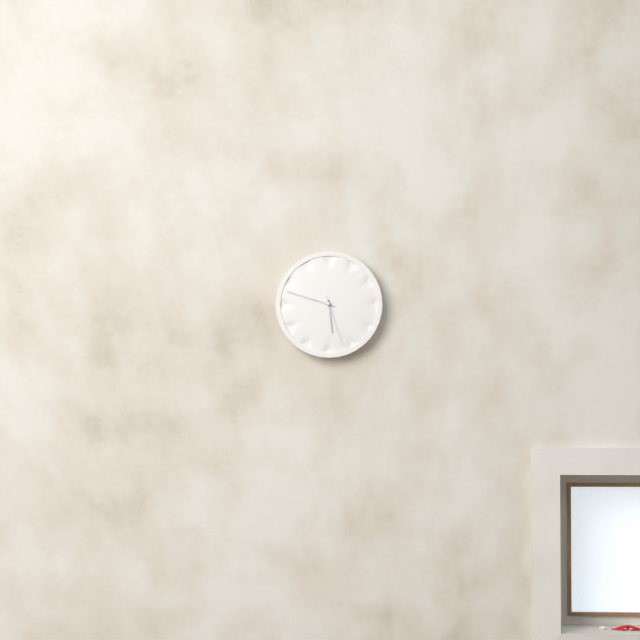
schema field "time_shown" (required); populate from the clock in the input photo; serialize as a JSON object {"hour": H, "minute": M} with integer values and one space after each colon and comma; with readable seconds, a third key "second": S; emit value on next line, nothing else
{"hour": 5, "minute": 48, "second": 27}
